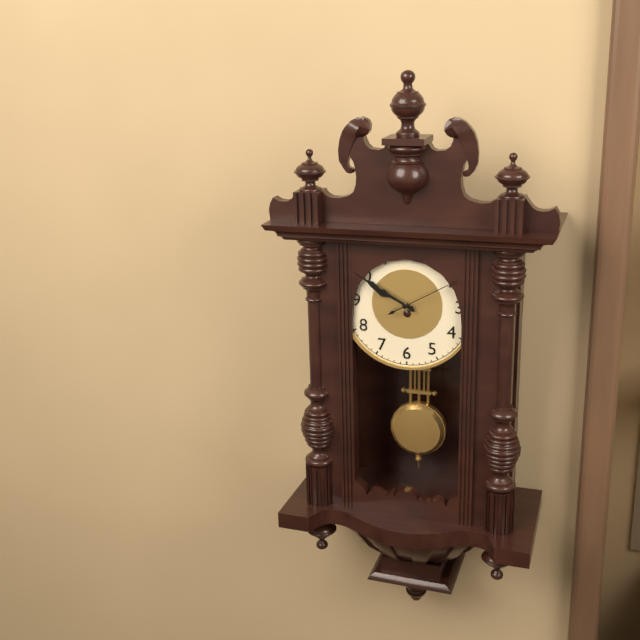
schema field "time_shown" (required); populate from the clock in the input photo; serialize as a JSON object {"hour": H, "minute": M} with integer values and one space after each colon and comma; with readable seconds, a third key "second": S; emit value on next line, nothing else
{"hour": 9, "minute": 50, "second": 10}
